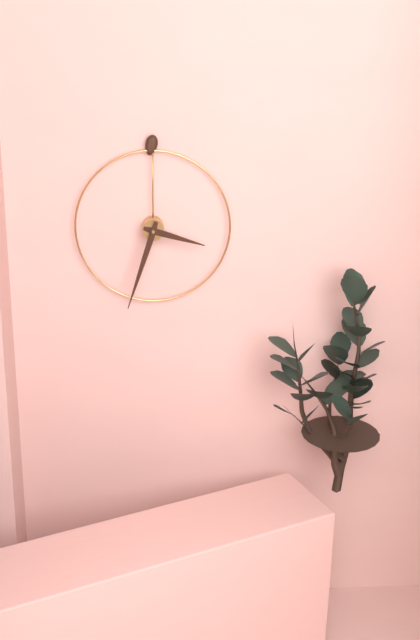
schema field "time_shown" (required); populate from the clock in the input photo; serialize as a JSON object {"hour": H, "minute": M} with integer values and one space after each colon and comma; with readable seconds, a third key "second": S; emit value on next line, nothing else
{"hour": 3, "minute": 33}
